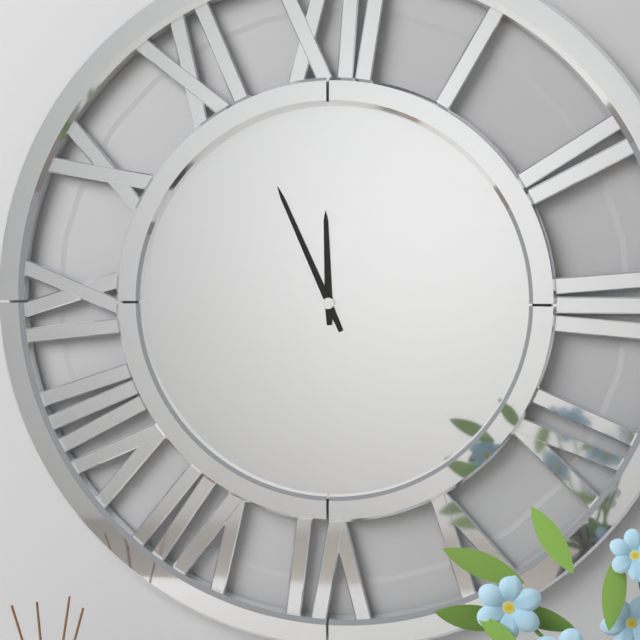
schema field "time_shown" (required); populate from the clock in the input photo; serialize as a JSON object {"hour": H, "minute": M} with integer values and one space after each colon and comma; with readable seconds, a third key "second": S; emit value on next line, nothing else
{"hour": 11, "minute": 56}
